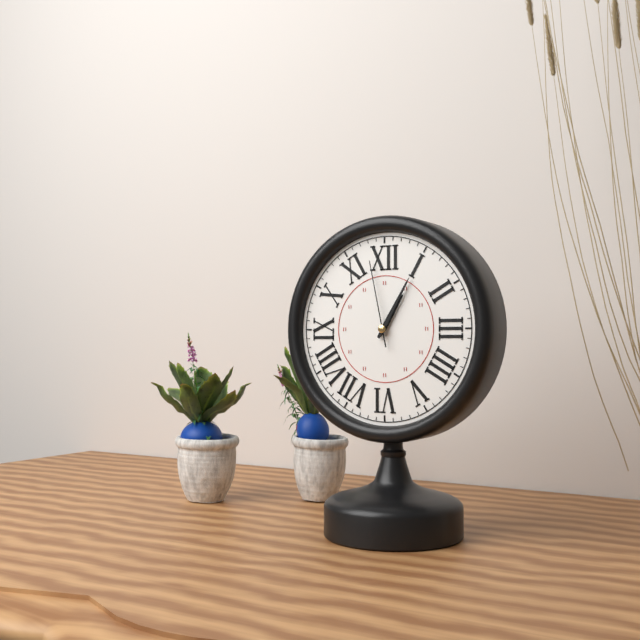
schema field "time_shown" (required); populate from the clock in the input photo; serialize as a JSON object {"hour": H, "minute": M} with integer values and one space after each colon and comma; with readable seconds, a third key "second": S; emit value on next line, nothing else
{"hour": 1, "minute": 5, "second": 58}
